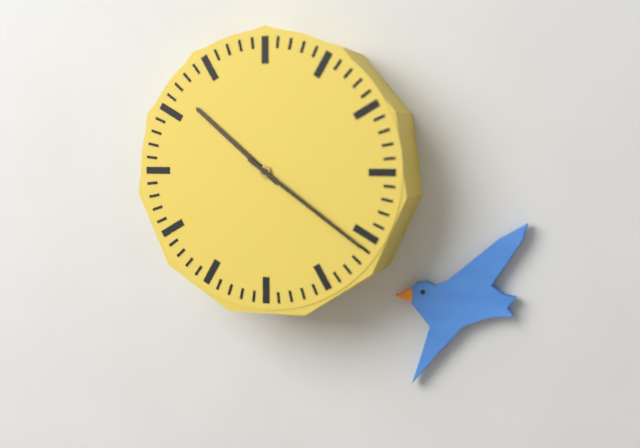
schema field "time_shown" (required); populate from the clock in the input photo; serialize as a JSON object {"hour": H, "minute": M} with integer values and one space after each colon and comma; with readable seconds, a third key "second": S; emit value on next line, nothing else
{"hour": 10, "minute": 21}
